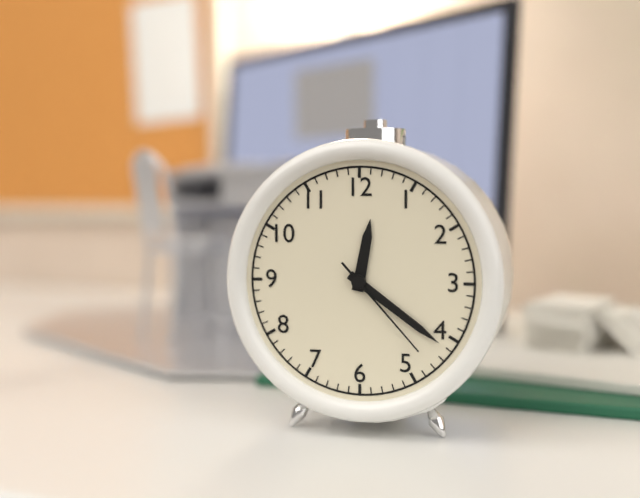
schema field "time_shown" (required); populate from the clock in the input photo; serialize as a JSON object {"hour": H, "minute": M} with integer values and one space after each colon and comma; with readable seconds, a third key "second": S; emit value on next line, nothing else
{"hour": 12, "minute": 21, "second": 23}
